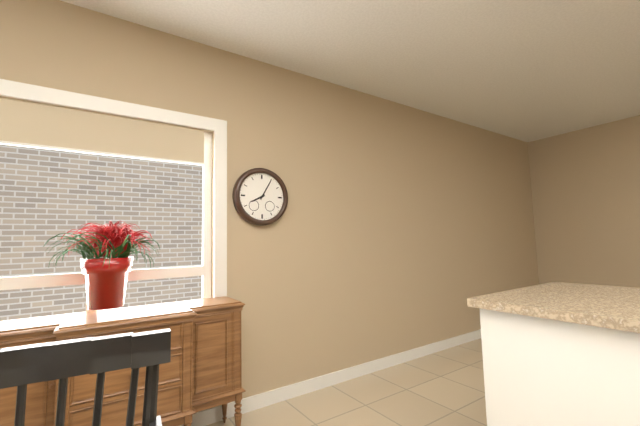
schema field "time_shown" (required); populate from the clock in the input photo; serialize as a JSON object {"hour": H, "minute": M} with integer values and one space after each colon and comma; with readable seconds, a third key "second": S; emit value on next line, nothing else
{"hour": 8, "minute": 5}
